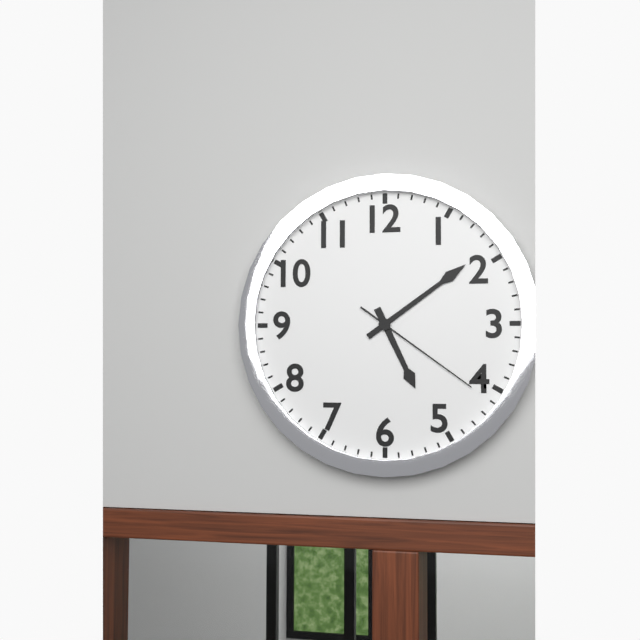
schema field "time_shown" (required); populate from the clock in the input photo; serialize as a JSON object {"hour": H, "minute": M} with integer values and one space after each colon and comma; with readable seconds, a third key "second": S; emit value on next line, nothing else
{"hour": 5, "minute": 9, "second": 21}
